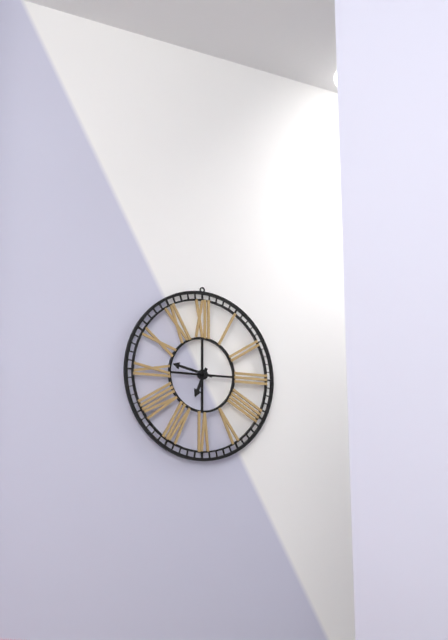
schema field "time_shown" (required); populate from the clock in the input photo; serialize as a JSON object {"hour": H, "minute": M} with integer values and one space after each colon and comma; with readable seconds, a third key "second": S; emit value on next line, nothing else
{"hour": 6, "minute": 47}
